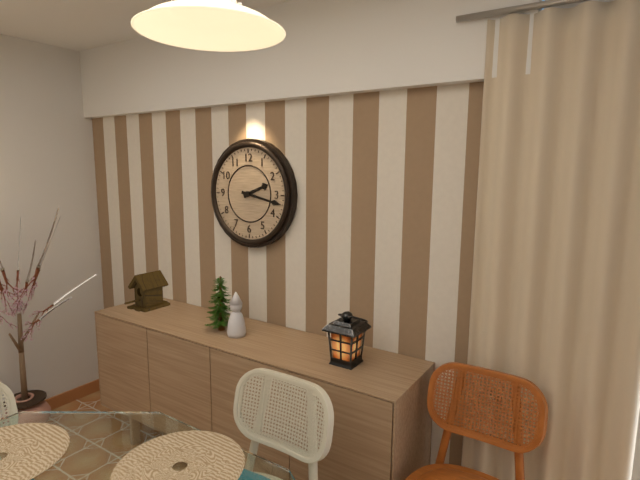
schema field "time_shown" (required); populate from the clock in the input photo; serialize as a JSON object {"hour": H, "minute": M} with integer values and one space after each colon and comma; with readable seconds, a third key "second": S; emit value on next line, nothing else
{"hour": 2, "minute": 17}
